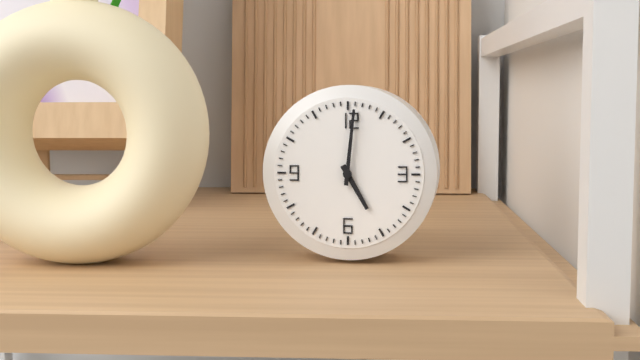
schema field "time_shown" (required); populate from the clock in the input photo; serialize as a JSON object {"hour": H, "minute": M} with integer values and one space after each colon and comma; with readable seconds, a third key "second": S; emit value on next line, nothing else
{"hour": 5, "minute": 1}
